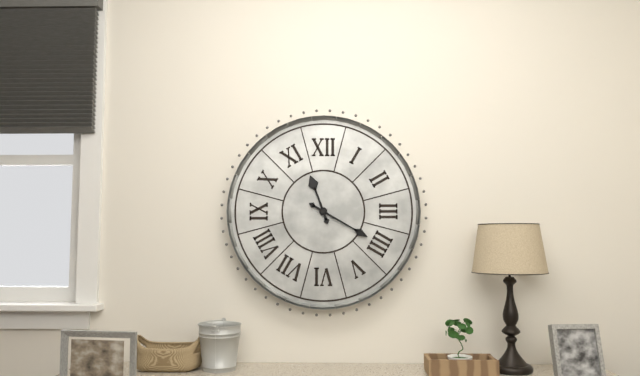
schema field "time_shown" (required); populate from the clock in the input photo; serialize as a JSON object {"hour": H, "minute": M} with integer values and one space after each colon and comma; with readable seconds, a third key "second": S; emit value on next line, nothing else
{"hour": 11, "minute": 20}
